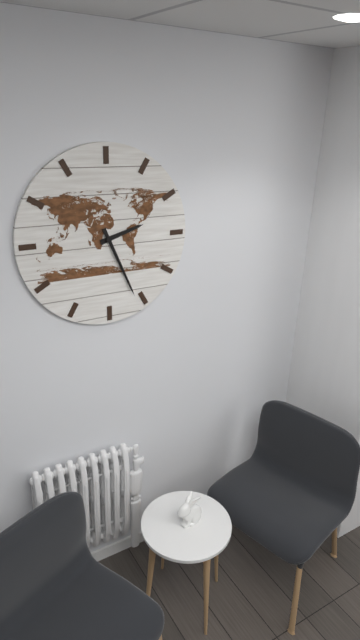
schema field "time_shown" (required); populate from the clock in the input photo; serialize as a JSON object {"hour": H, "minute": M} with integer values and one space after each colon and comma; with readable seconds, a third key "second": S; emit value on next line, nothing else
{"hour": 2, "minute": 26}
